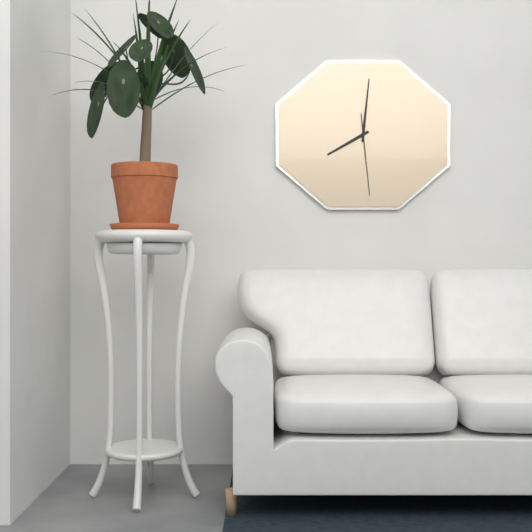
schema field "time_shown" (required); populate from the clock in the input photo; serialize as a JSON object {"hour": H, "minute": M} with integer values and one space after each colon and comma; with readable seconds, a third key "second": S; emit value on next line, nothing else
{"hour": 8, "minute": 1, "second": 29}
